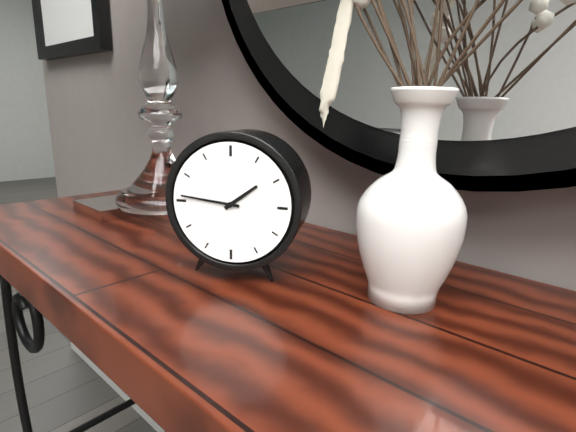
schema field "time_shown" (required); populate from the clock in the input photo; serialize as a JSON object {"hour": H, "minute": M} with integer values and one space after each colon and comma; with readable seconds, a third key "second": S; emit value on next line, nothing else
{"hour": 1, "minute": 46}
